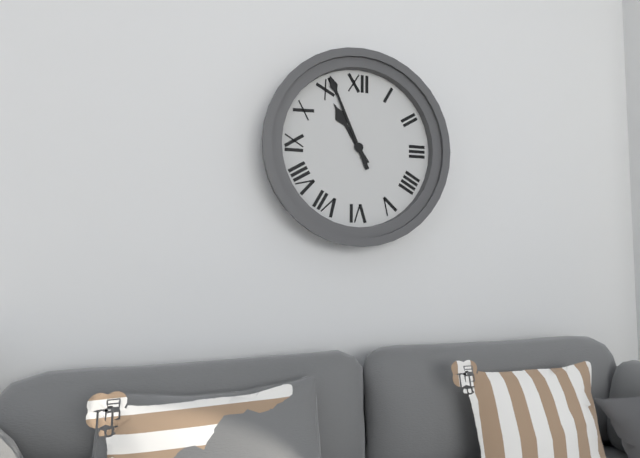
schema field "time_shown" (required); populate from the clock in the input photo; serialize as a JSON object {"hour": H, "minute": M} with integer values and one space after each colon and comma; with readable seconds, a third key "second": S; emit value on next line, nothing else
{"hour": 10, "minute": 56}
